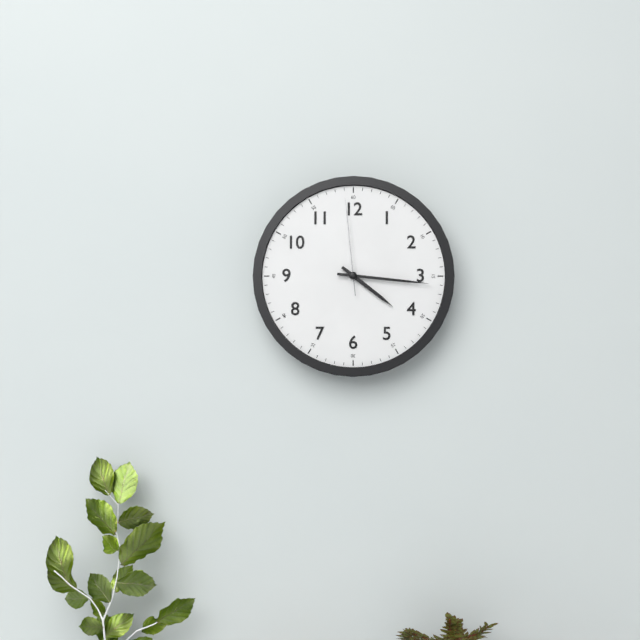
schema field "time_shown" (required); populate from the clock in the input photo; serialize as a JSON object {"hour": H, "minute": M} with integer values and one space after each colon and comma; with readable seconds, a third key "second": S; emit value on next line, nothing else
{"hour": 4, "minute": 16, "second": 59}
